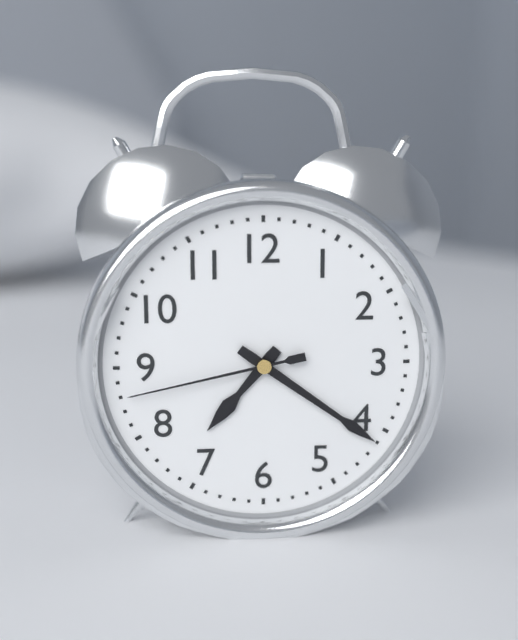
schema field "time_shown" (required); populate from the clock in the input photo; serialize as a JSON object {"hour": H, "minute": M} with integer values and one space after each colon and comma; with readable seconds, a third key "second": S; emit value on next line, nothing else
{"hour": 7, "minute": 21, "second": 43}
